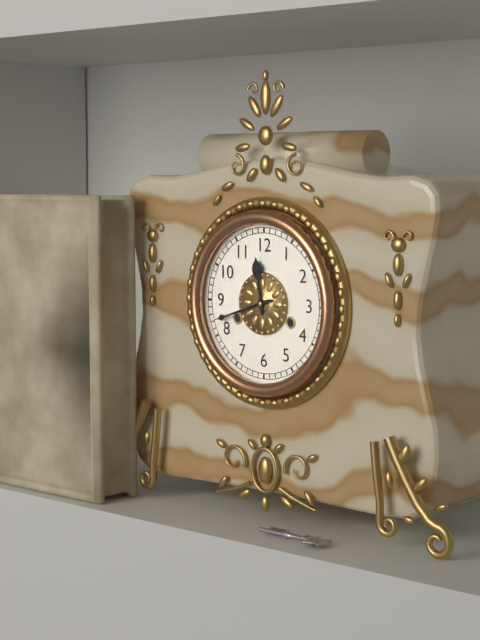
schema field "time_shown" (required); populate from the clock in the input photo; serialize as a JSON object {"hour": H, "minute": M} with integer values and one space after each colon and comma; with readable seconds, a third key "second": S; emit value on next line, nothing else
{"hour": 11, "minute": 42}
